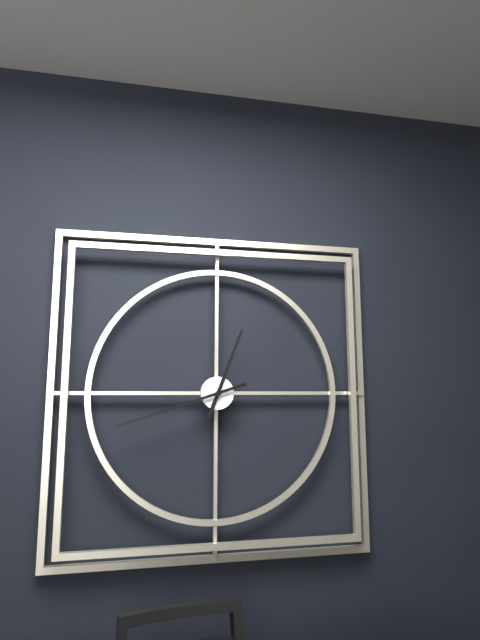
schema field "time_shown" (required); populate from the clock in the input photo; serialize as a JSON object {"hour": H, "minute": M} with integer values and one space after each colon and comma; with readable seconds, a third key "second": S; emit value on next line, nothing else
{"hour": 12, "minute": 42}
